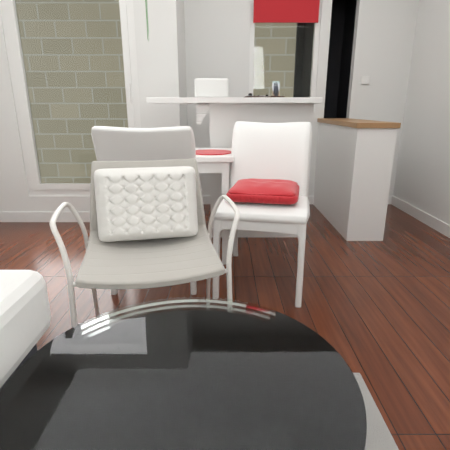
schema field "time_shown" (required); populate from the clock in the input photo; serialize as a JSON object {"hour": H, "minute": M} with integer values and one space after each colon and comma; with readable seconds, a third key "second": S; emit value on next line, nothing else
{"hour": 4, "minute": 17}
